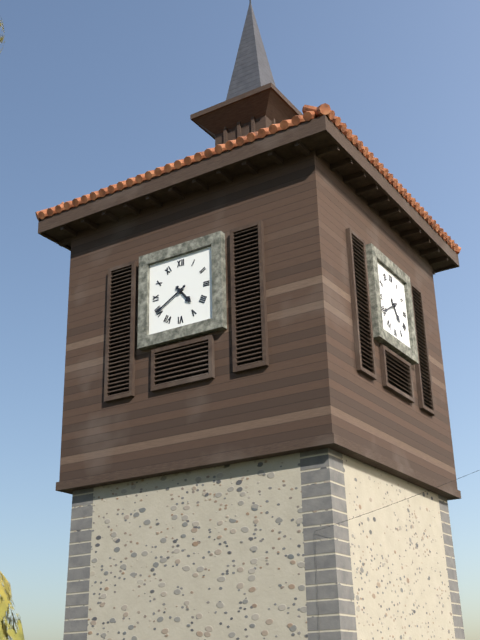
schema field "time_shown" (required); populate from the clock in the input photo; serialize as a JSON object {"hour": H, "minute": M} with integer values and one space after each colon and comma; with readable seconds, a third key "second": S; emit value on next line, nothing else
{"hour": 4, "minute": 40}
